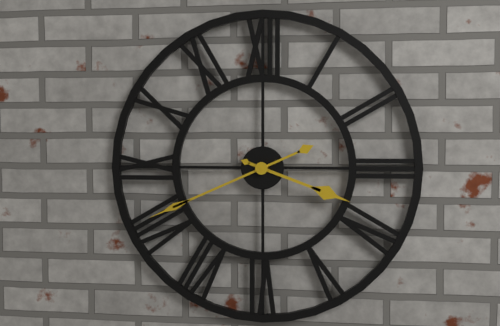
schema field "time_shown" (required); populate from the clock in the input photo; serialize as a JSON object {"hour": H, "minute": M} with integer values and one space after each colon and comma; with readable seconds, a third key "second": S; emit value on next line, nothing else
{"hour": 3, "minute": 41}
